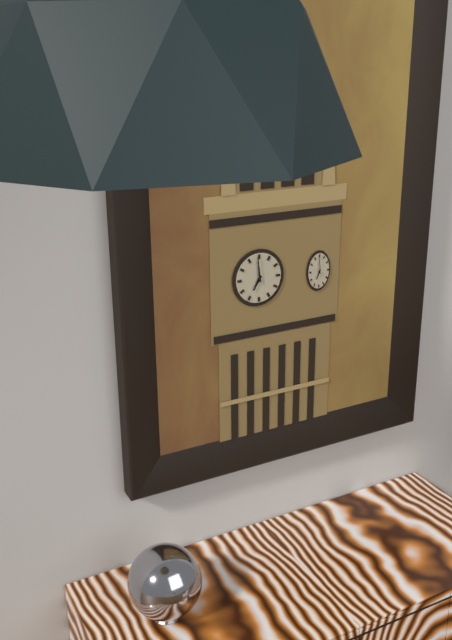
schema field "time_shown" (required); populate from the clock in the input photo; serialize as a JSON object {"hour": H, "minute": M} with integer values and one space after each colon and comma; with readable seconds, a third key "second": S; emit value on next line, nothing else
{"hour": 6, "minute": 59}
